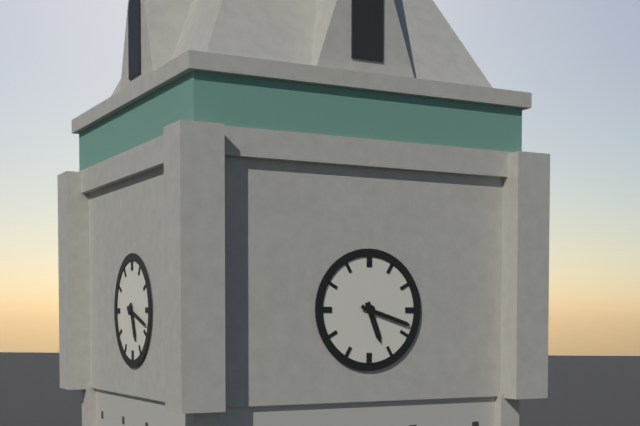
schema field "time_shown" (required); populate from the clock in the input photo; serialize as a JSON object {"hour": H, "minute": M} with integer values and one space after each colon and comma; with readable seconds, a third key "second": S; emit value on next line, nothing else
{"hour": 5, "minute": 18}
